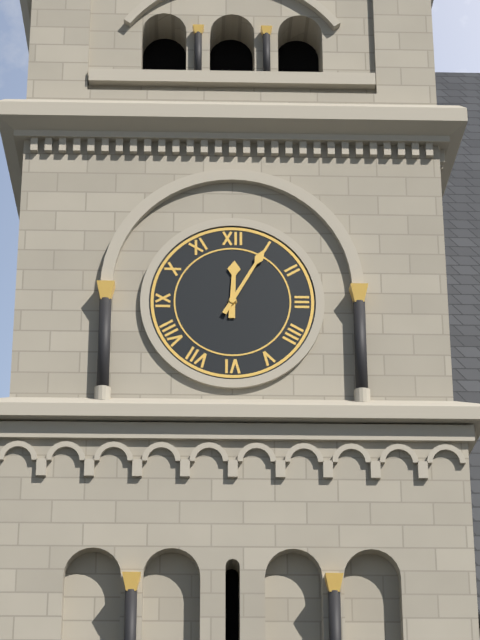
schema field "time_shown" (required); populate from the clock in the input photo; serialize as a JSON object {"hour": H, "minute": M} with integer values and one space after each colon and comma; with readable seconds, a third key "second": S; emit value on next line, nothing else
{"hour": 12, "minute": 5}
